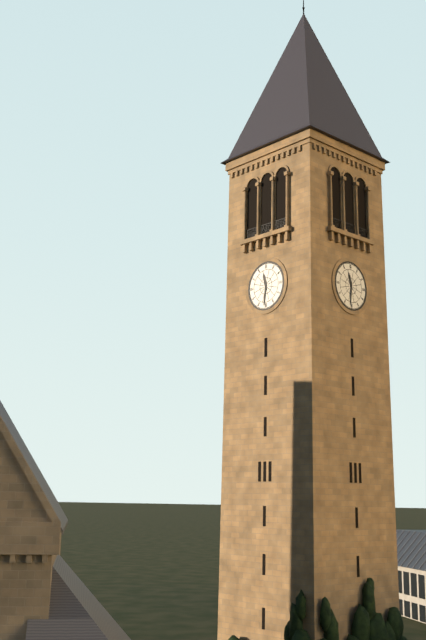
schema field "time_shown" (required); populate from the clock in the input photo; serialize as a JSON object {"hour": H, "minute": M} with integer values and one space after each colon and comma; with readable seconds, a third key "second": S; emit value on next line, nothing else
{"hour": 11, "minute": 31}
